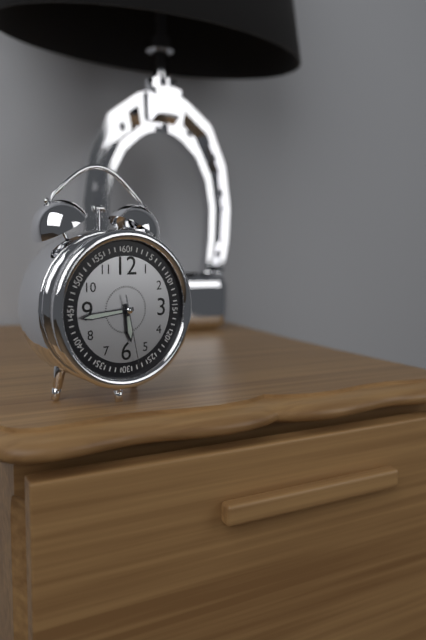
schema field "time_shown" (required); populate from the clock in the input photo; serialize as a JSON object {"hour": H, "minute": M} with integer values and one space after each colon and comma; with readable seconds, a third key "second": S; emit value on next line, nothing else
{"hour": 5, "minute": 44, "second": 28}
